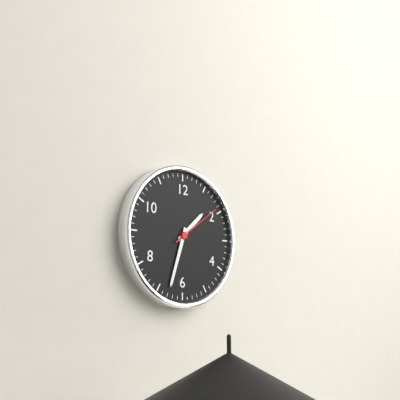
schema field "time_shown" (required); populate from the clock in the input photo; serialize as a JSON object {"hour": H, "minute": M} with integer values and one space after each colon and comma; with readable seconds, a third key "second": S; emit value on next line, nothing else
{"hour": 1, "minute": 33, "second": 9}
